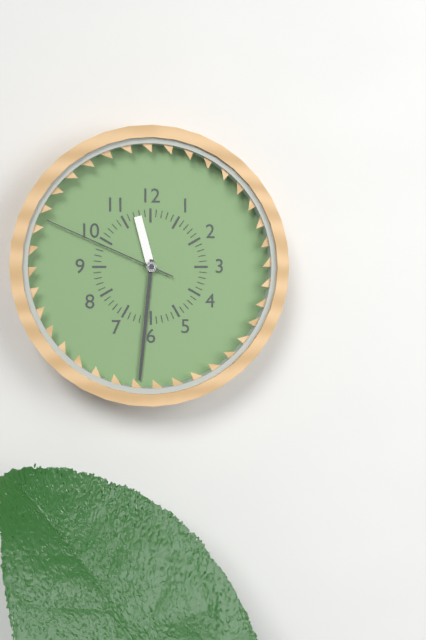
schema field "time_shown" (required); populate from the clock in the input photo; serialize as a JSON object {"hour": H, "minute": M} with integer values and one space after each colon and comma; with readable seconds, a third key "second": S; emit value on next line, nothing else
{"hour": 11, "minute": 31, "second": 49}
